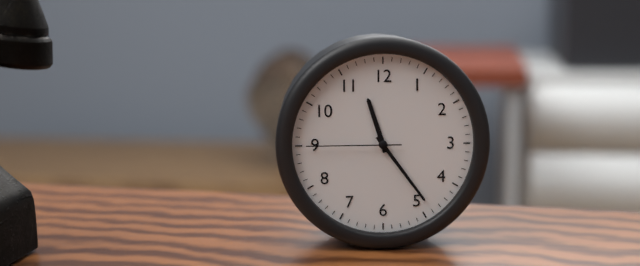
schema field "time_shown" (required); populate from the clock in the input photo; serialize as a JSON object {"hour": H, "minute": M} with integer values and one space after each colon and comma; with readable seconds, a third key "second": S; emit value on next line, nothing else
{"hour": 11, "minute": 24, "second": 45}
